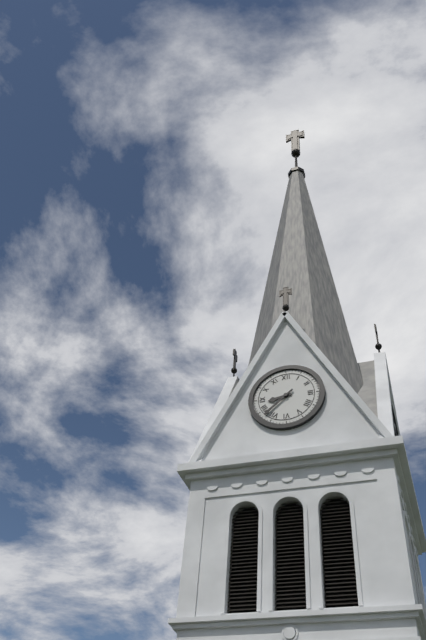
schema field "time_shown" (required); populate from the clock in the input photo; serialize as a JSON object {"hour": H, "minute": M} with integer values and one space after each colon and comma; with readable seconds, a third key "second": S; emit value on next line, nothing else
{"hour": 8, "minute": 38}
